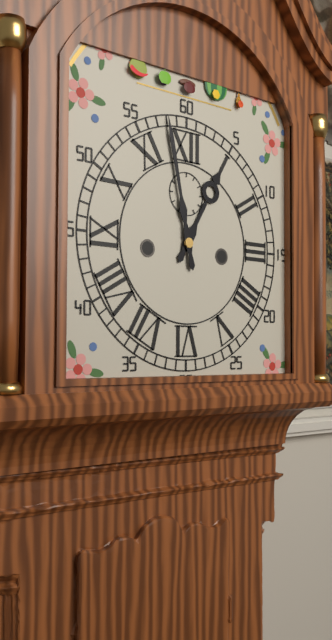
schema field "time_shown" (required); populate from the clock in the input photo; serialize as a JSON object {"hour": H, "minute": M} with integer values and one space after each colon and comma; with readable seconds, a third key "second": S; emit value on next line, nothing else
{"hour": 12, "minute": 58}
